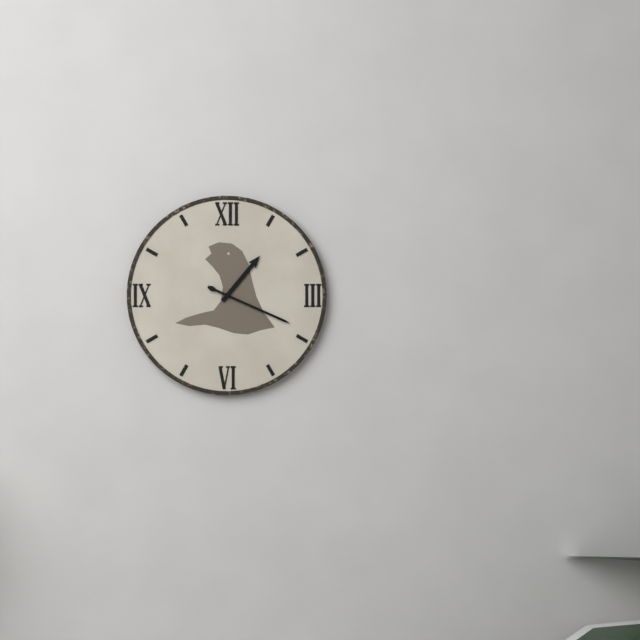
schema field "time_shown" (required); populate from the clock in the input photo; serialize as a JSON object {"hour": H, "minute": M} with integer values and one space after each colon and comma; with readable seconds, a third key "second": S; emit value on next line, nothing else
{"hour": 1, "minute": 19}
